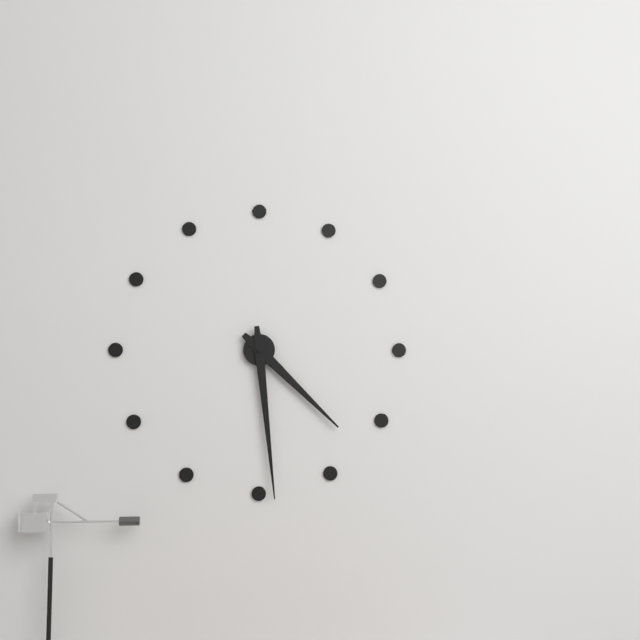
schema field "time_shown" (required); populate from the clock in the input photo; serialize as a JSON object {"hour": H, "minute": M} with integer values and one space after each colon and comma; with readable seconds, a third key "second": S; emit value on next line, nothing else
{"hour": 4, "minute": 29}
